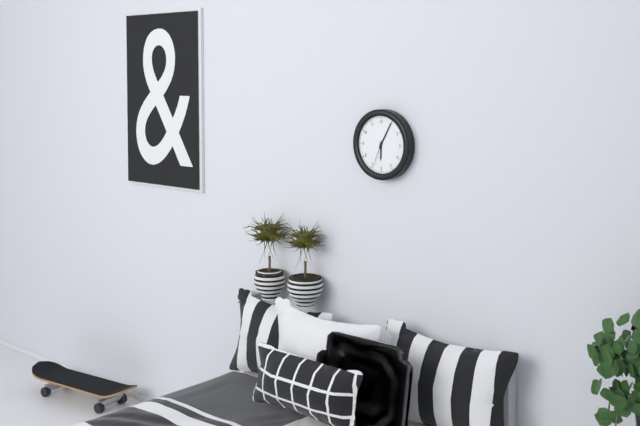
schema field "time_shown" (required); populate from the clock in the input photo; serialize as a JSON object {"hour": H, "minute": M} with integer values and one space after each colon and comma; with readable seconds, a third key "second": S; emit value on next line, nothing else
{"hour": 6, "minute": 5}
